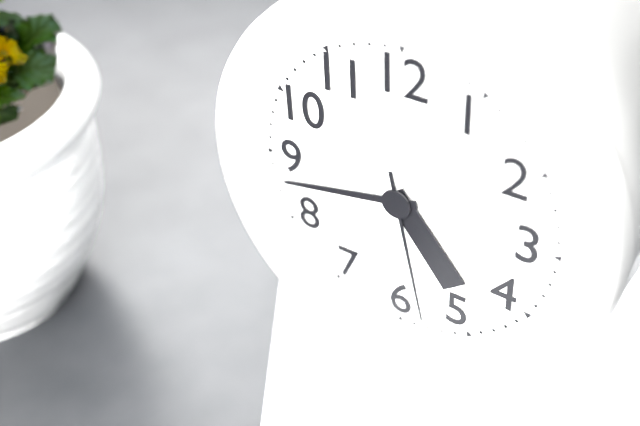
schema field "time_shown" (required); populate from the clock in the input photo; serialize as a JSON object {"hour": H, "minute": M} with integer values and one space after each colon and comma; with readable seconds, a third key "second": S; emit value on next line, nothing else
{"hour": 4, "minute": 43, "second": 28}
